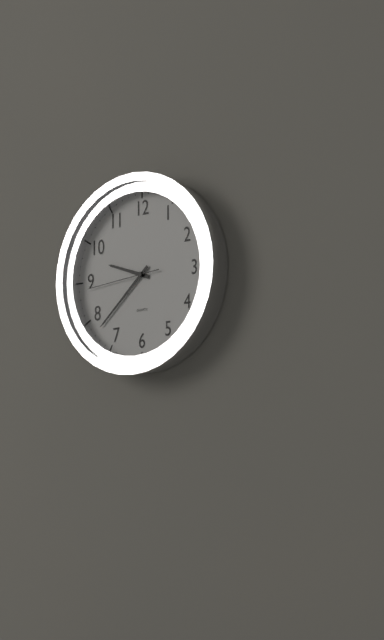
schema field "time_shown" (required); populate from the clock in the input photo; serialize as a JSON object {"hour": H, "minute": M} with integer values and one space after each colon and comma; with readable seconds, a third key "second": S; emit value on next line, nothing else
{"hour": 9, "minute": 38, "second": 44}
